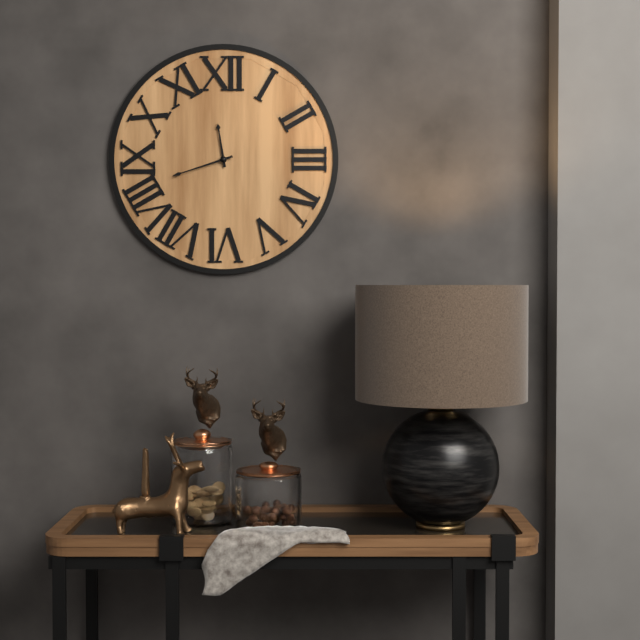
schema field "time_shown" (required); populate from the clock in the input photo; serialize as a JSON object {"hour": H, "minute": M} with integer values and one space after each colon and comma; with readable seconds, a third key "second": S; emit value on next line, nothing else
{"hour": 11, "minute": 42}
